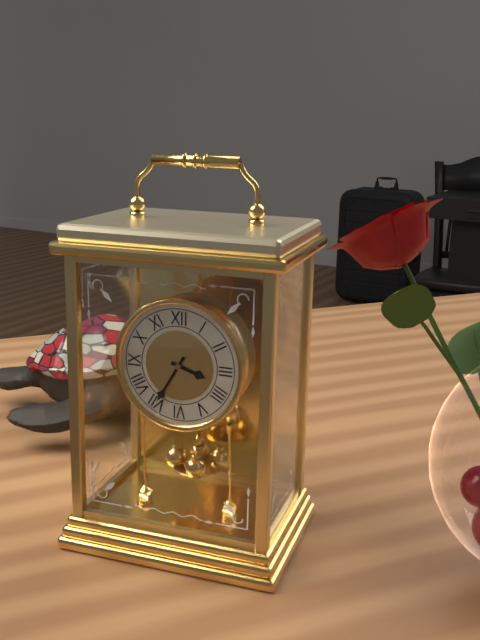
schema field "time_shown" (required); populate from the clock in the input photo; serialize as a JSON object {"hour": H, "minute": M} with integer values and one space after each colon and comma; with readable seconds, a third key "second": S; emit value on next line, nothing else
{"hour": 3, "minute": 35}
